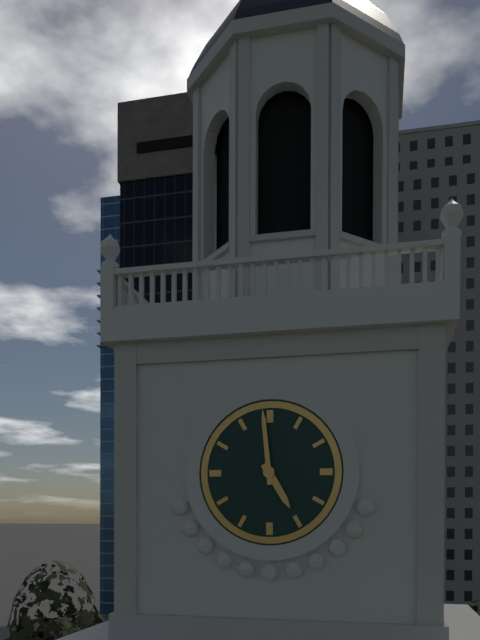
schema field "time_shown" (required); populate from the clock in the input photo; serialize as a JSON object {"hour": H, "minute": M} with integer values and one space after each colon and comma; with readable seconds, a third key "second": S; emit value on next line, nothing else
{"hour": 4, "minute": 59}
